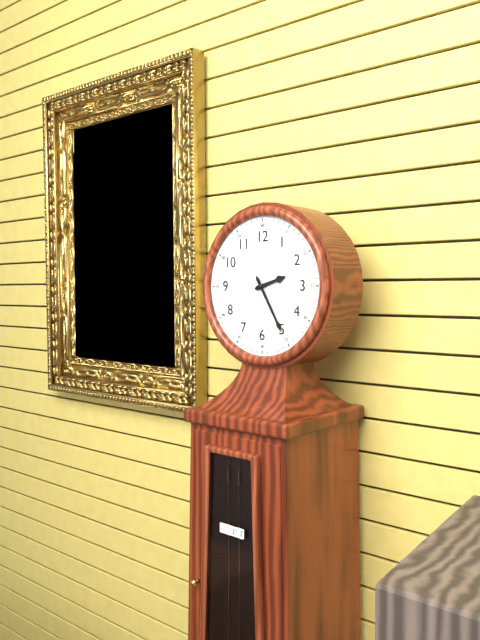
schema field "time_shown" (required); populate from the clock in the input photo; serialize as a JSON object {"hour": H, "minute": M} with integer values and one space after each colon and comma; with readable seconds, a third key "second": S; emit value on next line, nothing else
{"hour": 2, "minute": 25}
